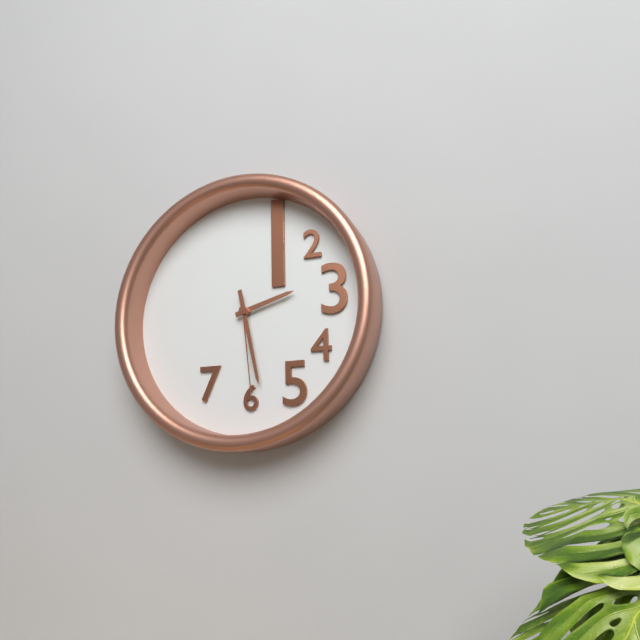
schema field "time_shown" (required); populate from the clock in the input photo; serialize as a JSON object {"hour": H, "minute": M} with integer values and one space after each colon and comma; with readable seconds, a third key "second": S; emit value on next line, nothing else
{"hour": 2, "minute": 28, "second": 29}
